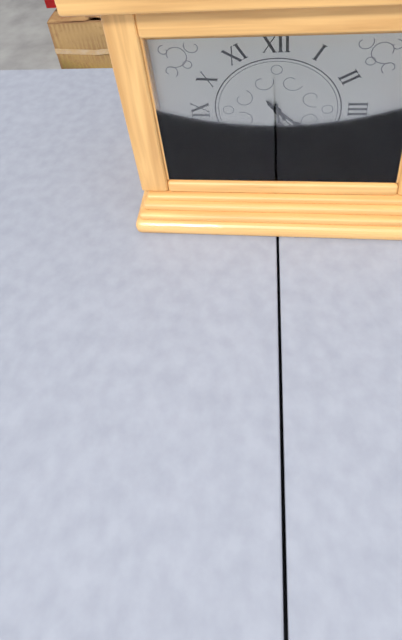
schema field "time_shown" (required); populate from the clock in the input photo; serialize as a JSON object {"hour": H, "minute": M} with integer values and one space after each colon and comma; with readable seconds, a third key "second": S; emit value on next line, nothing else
{"hour": 4, "minute": 29, "second": 24}
